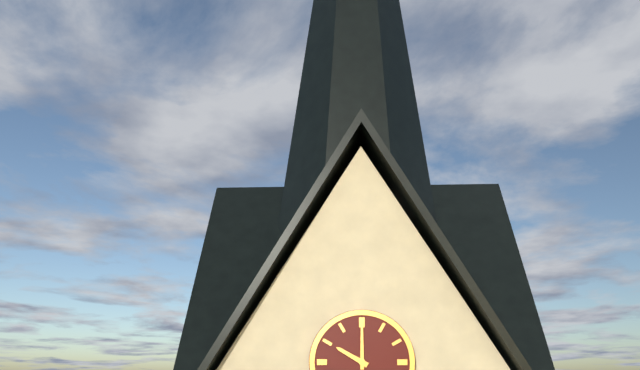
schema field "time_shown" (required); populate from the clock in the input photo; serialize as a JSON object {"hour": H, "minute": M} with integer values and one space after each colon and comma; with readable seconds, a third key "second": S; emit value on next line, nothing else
{"hour": 10, "minute": 0}
